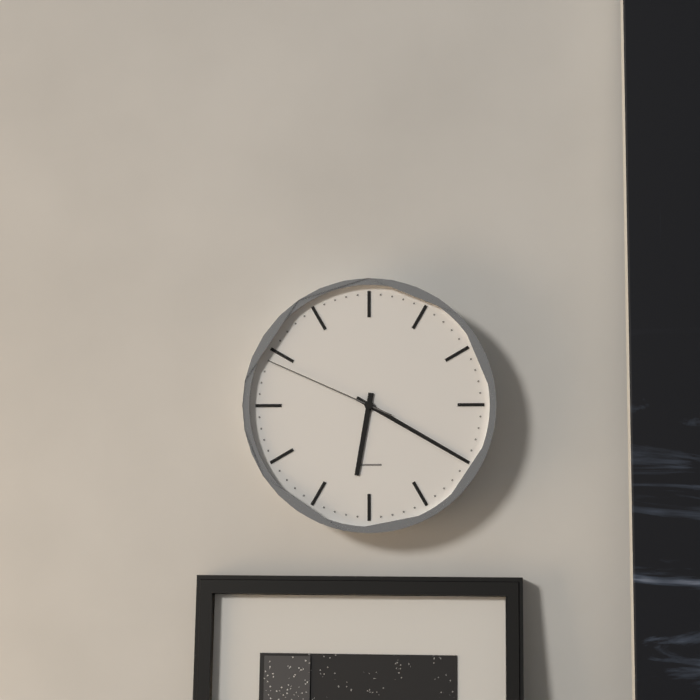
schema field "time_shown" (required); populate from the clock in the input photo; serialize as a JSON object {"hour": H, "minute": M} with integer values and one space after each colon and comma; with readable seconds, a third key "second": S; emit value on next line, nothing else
{"hour": 6, "minute": 20, "second": 49}
